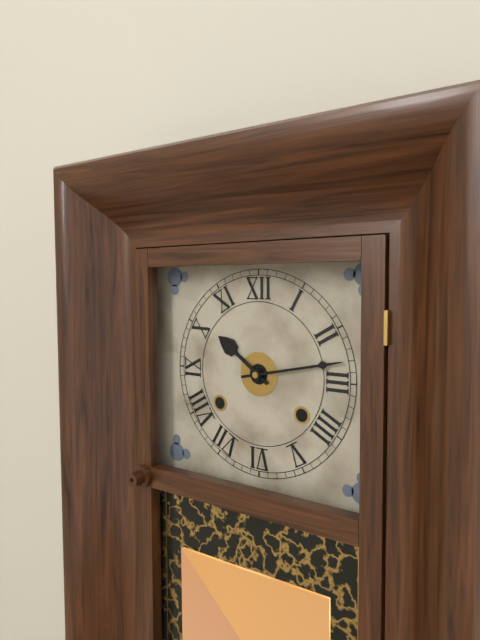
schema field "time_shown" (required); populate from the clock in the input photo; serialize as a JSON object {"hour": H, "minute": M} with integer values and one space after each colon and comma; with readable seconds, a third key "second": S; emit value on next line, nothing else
{"hour": 10, "minute": 13}
